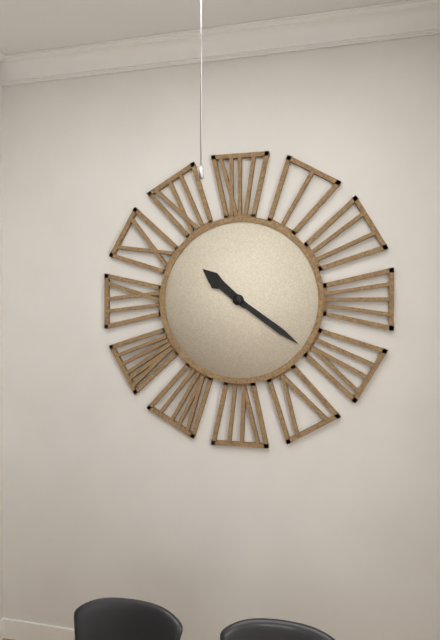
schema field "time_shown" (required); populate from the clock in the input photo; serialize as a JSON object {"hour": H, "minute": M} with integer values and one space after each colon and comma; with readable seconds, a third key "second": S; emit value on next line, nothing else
{"hour": 10, "minute": 21}
